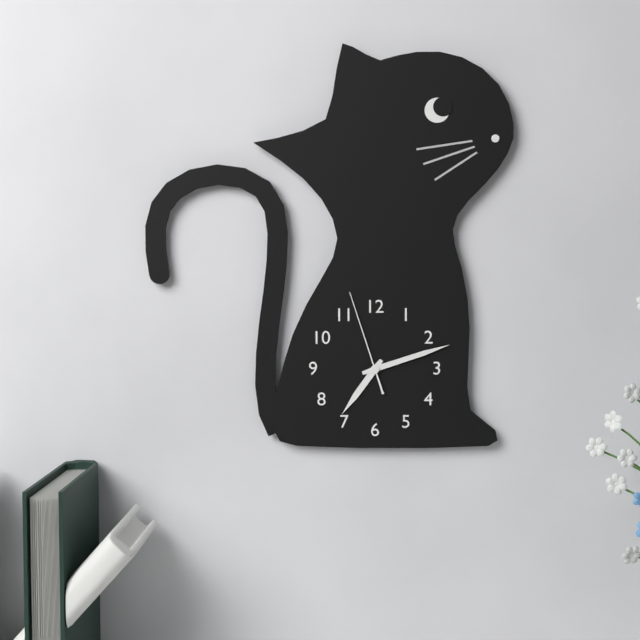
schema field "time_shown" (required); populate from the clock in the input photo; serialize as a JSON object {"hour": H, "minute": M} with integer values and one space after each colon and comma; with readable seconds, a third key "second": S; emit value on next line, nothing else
{"hour": 7, "minute": 12, "second": 57}
